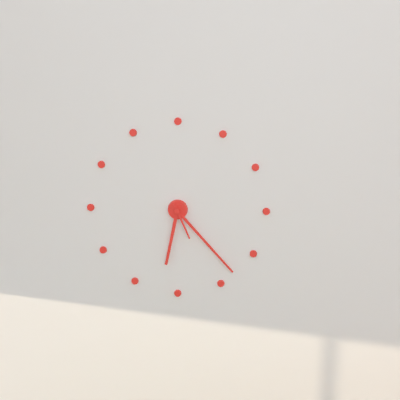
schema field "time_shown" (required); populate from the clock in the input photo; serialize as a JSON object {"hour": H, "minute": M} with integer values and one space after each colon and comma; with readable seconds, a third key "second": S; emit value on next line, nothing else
{"hour": 6, "minute": 23}
